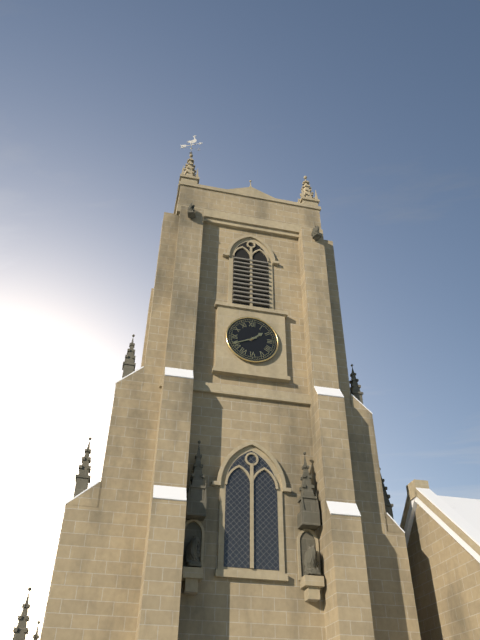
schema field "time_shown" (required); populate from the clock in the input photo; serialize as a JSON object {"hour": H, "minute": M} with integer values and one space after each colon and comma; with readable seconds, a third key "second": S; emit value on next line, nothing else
{"hour": 1, "minute": 41}
